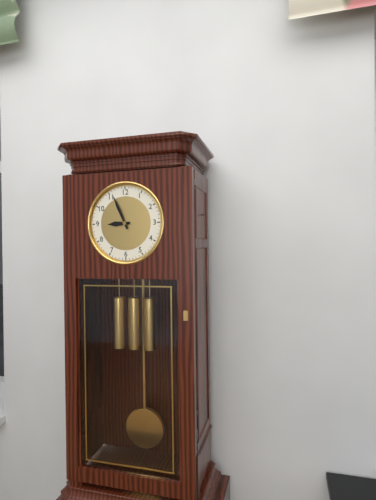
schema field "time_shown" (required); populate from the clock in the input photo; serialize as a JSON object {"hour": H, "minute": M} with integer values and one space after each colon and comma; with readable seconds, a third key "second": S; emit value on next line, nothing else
{"hour": 8, "minute": 56}
